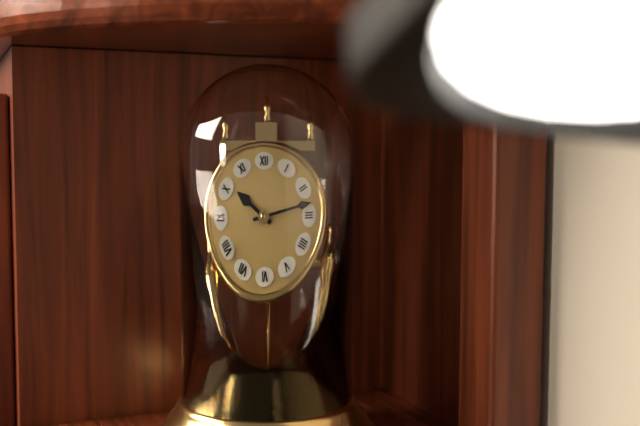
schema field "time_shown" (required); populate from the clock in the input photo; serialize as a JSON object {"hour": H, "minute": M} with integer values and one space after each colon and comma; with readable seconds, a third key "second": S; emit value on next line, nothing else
{"hour": 10, "minute": 13}
